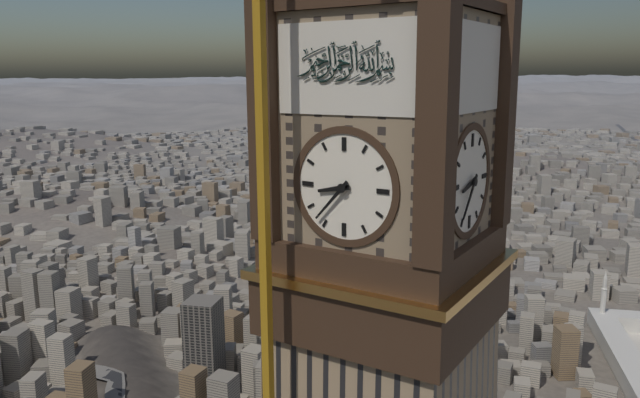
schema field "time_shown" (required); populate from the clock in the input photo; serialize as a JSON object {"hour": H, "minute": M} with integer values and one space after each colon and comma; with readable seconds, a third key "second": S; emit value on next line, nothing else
{"hour": 8, "minute": 37}
